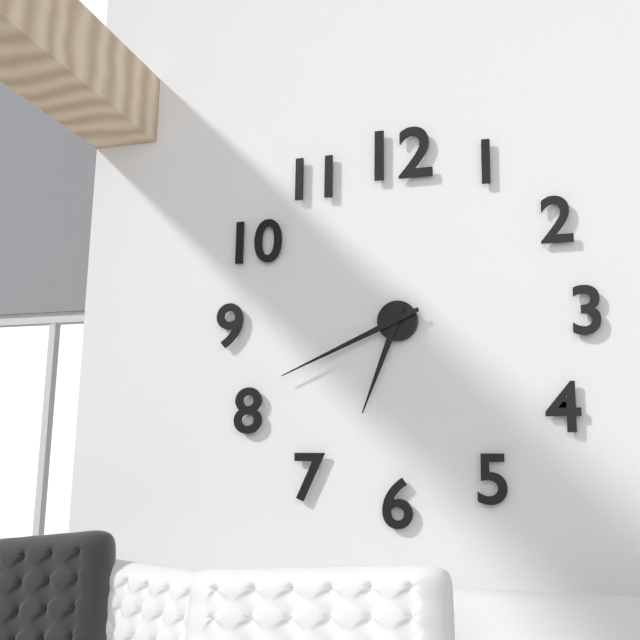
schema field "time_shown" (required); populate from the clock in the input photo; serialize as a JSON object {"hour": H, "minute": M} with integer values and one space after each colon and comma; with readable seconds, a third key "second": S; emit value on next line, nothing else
{"hour": 6, "minute": 41}
